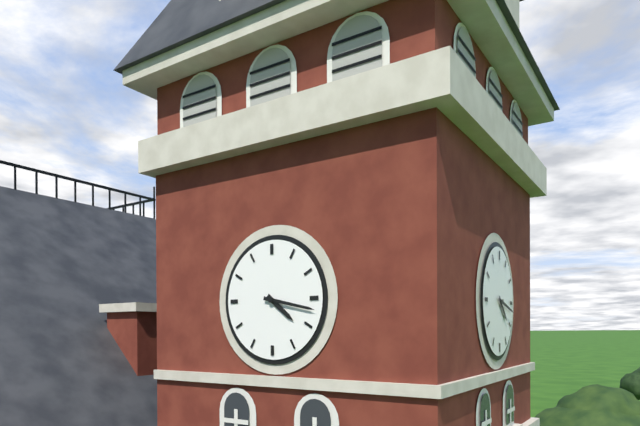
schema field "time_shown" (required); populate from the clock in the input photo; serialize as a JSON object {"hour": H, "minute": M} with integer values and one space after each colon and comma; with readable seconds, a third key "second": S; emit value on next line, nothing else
{"hour": 4, "minute": 17}
